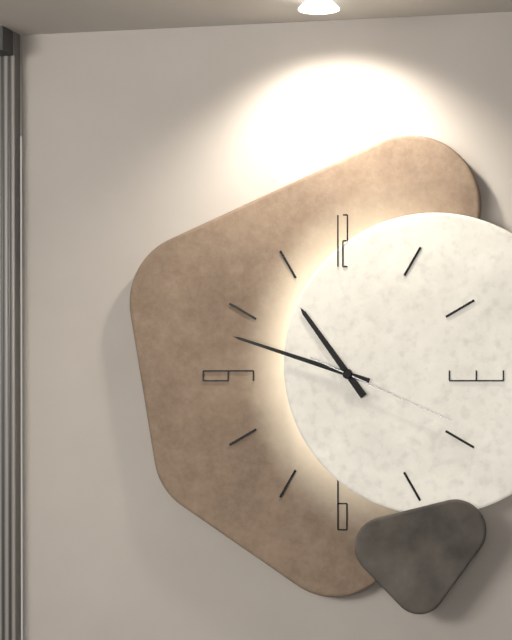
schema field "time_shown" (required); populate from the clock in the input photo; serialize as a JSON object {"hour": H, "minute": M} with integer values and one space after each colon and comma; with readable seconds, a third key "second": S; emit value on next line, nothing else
{"hour": 10, "minute": 48, "second": 19}
